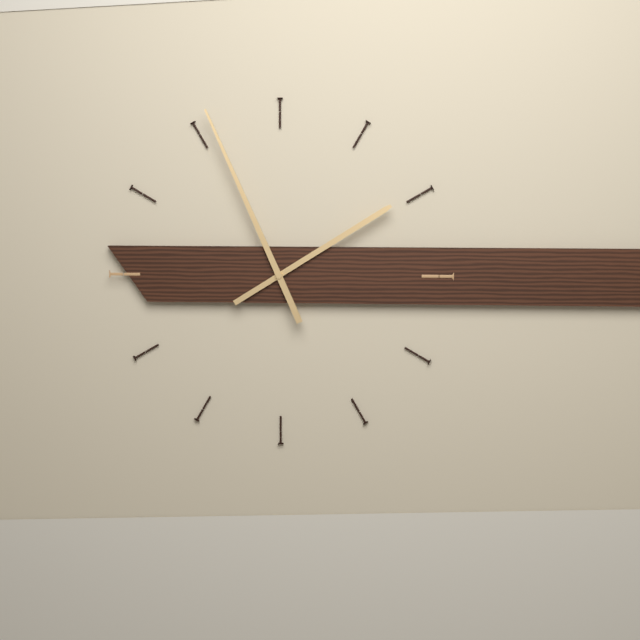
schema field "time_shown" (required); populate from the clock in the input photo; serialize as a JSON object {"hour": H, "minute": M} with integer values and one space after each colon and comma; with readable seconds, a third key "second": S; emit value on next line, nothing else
{"hour": 1, "minute": 56}
